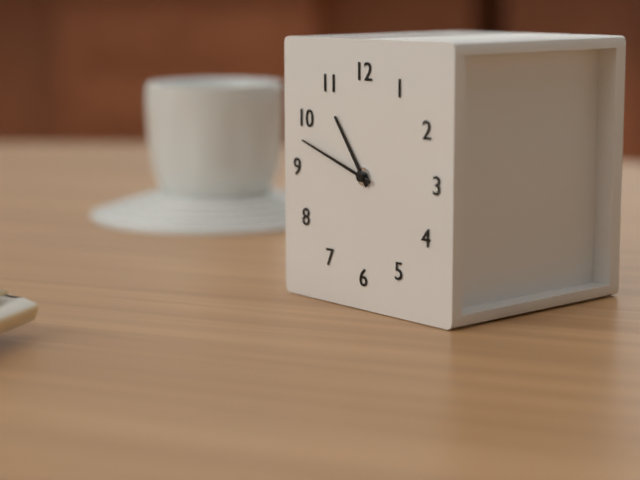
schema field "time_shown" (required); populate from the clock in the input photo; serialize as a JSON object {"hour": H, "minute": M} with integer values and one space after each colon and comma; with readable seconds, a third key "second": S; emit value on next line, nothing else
{"hour": 10, "minute": 48}
